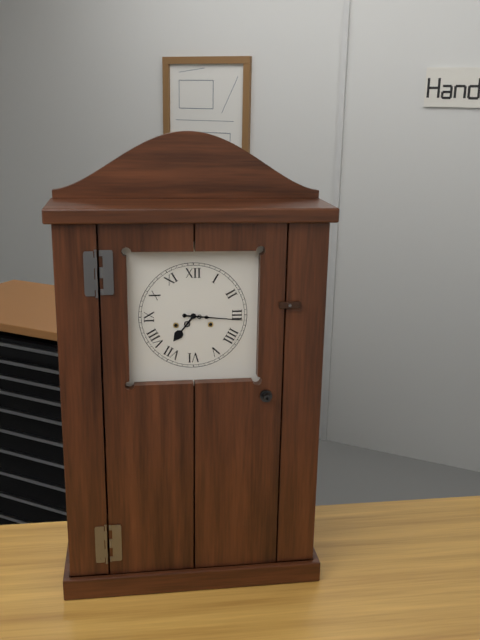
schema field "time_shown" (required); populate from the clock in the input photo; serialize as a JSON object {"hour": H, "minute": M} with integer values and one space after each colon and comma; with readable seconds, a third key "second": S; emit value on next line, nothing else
{"hour": 7, "minute": 16}
